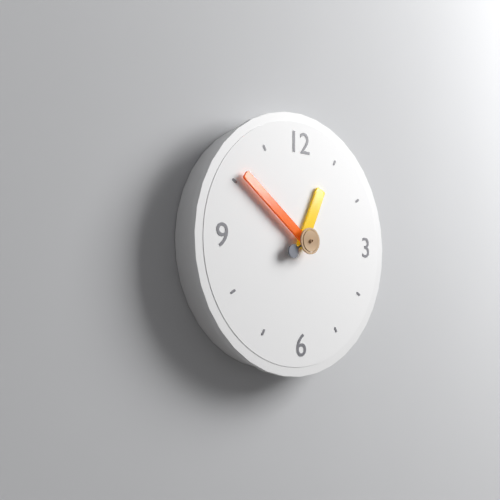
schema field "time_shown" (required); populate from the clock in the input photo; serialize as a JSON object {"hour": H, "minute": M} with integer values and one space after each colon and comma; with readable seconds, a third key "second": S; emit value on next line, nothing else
{"hour": 12, "minute": 51}
